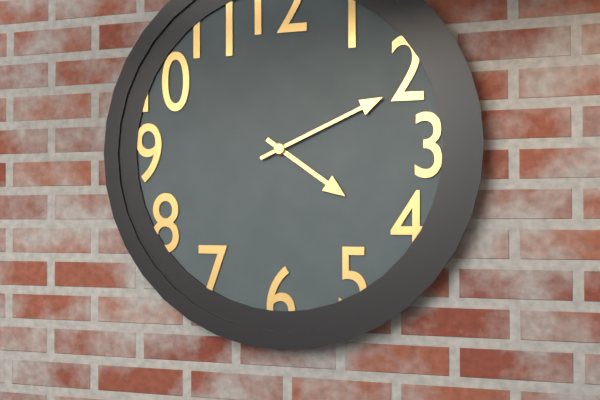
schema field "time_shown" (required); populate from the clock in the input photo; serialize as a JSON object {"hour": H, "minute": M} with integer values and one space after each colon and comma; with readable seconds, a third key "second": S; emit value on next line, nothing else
{"hour": 4, "minute": 11}
